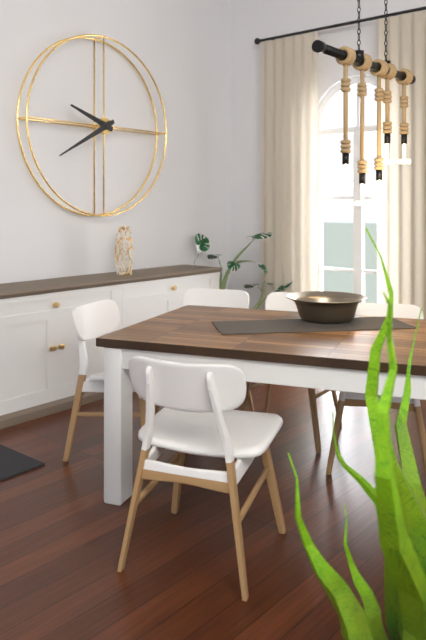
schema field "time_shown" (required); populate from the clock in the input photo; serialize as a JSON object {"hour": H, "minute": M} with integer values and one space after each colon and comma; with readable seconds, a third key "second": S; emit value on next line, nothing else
{"hour": 9, "minute": 40}
